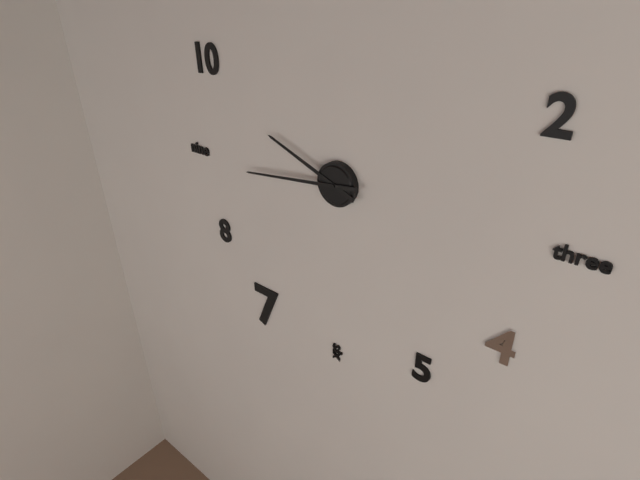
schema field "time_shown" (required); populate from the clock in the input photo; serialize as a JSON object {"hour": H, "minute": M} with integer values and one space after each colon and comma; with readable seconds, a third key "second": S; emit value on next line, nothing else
{"hour": 9, "minute": 44}
